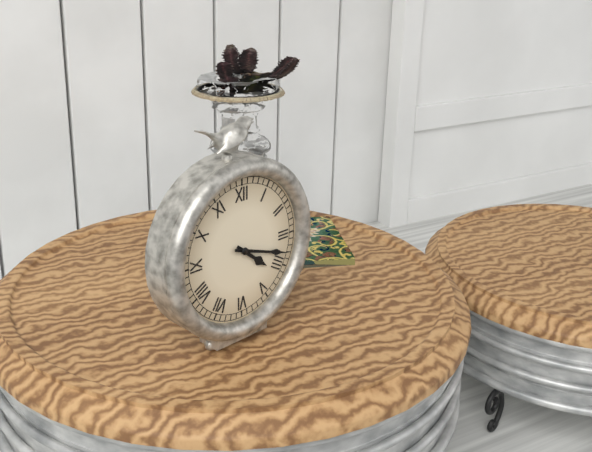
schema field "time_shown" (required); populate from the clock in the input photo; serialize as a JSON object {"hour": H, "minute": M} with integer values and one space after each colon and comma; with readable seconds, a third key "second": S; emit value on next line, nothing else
{"hour": 4, "minute": 18}
